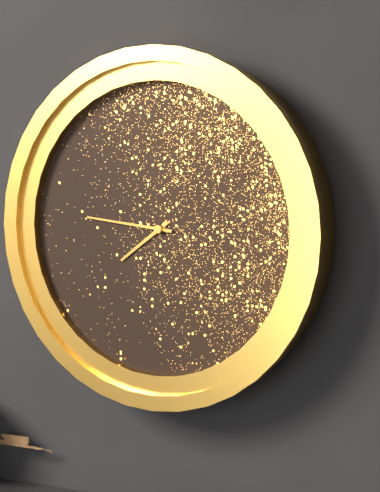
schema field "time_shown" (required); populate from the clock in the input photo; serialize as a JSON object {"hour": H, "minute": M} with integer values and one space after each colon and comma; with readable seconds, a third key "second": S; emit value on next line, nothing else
{"hour": 7, "minute": 46}
